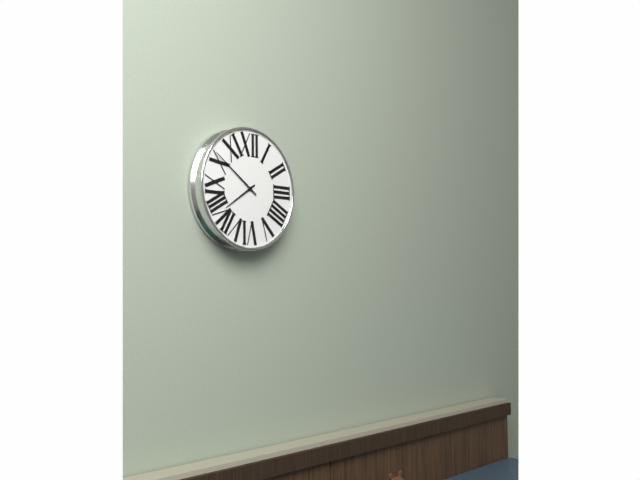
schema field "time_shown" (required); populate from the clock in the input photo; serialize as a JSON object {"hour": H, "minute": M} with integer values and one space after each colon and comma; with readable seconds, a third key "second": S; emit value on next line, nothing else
{"hour": 7, "minute": 51}
